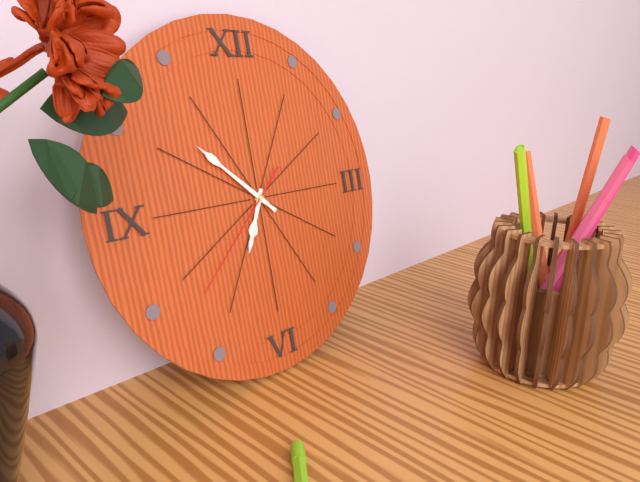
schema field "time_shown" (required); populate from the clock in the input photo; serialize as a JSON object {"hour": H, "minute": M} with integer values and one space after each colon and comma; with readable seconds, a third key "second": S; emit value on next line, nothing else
{"hour": 6, "minute": 52, "second": 38}
